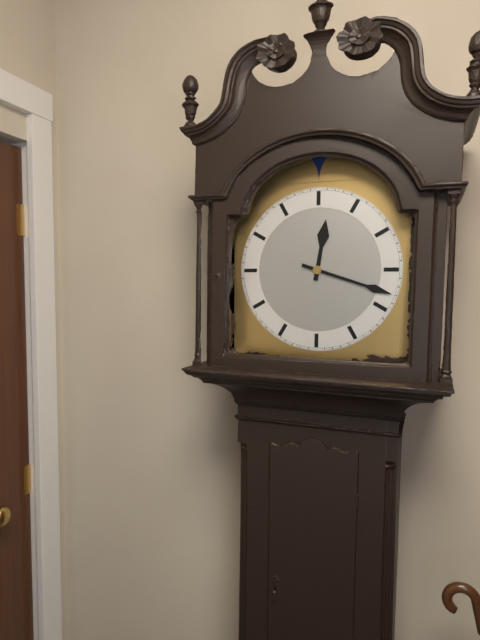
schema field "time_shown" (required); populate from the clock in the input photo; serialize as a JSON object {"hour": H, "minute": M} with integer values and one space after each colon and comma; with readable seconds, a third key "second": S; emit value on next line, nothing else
{"hour": 12, "minute": 18}
